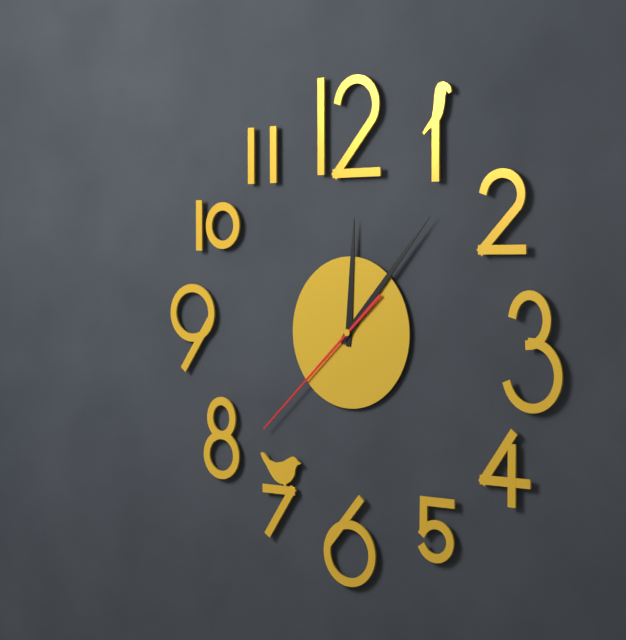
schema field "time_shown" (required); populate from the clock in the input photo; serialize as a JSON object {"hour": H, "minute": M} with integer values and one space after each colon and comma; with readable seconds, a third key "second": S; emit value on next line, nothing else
{"hour": 12, "minute": 7, "second": 38}
